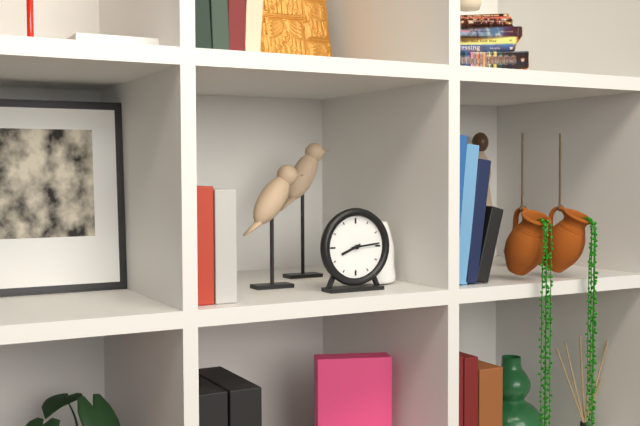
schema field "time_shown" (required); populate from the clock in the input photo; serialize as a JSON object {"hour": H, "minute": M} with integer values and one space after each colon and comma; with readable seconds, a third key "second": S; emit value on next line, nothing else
{"hour": 8, "minute": 14}
